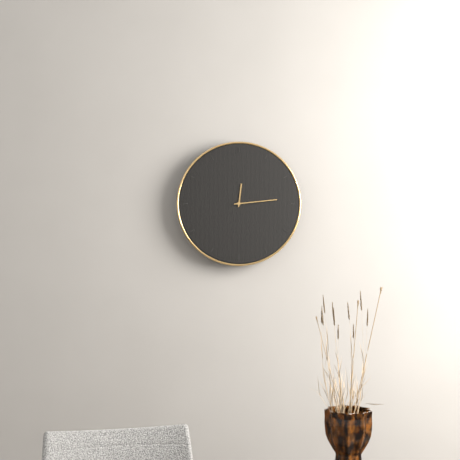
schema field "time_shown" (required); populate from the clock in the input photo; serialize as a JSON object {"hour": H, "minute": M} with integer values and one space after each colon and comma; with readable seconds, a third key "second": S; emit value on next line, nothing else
{"hour": 12, "minute": 14}
